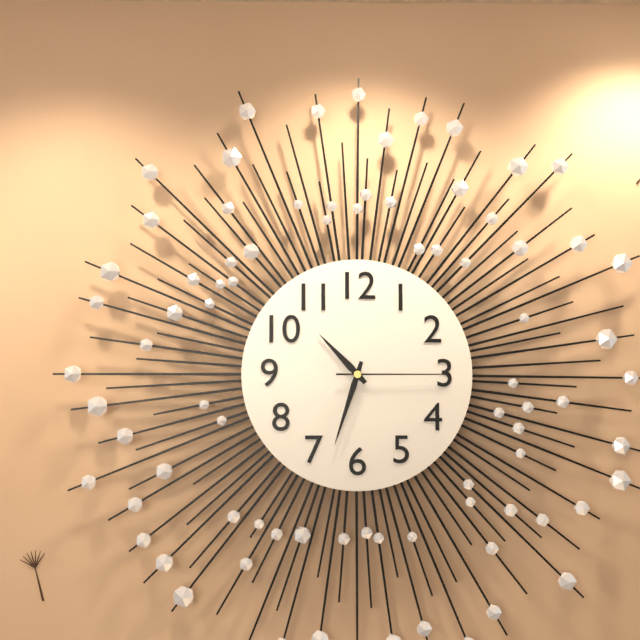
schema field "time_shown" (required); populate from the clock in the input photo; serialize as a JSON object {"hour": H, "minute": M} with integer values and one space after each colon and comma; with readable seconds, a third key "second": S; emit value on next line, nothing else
{"hour": 10, "minute": 33, "second": 15}
